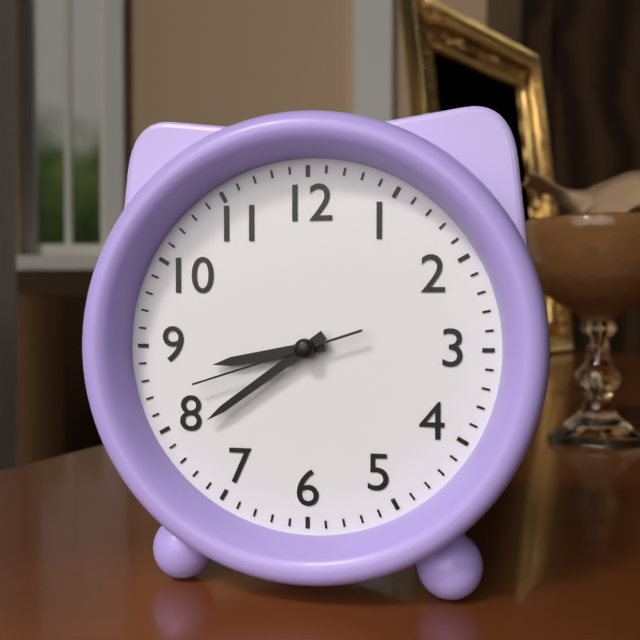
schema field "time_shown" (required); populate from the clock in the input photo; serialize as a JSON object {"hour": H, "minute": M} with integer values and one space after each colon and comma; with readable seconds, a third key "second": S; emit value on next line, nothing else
{"hour": 8, "minute": 39, "second": 42}
